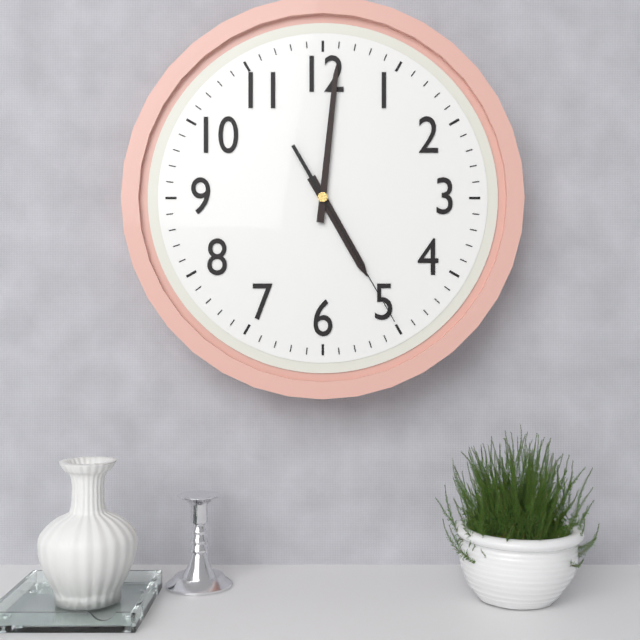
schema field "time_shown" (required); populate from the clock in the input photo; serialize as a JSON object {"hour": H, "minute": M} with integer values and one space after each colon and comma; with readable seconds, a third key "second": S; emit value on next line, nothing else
{"hour": 5, "minute": 1, "second": 25}
